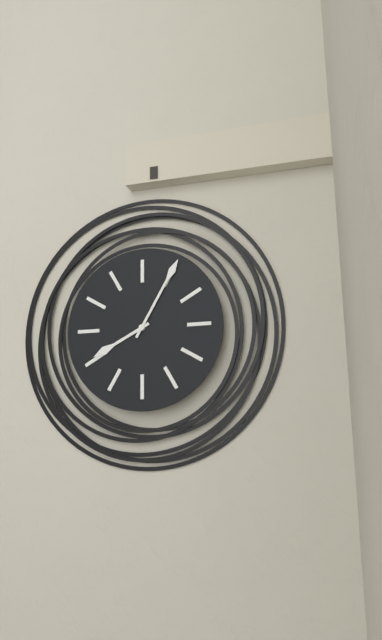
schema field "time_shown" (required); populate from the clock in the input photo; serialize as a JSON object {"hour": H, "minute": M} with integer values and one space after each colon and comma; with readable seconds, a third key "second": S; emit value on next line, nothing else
{"hour": 8, "minute": 5}
